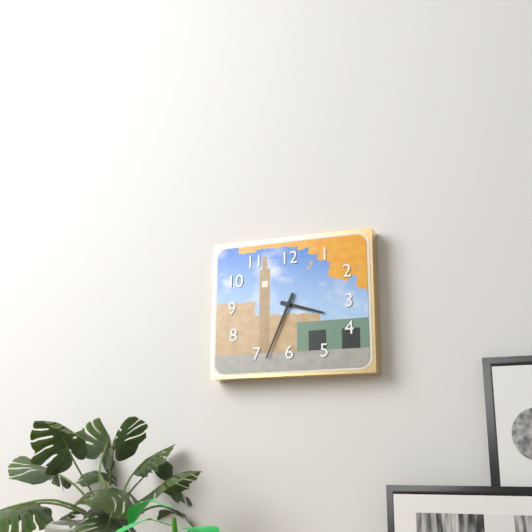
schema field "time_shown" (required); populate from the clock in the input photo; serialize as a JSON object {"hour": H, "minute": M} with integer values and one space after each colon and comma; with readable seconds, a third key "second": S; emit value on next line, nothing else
{"hour": 3, "minute": 34}
